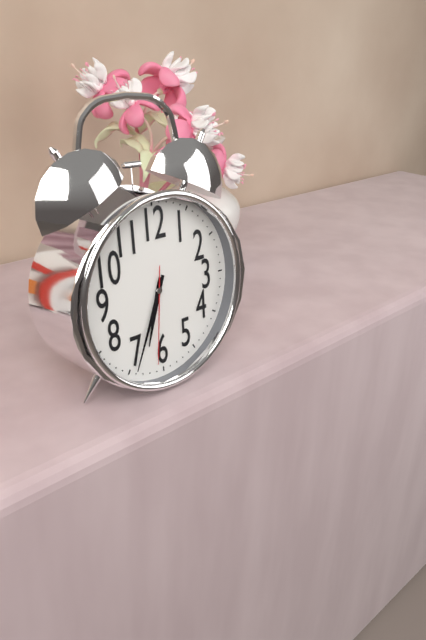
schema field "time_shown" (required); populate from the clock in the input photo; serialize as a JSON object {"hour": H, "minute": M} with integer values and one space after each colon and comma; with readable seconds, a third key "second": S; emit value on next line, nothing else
{"hour": 6, "minute": 34, "second": 31}
